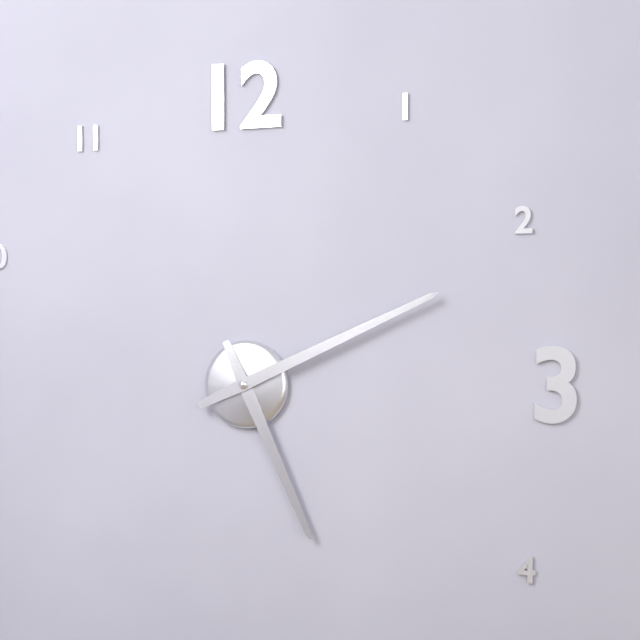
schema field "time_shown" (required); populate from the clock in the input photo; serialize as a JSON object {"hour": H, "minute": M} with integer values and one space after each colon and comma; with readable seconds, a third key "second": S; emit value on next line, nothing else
{"hour": 5, "minute": 11}
